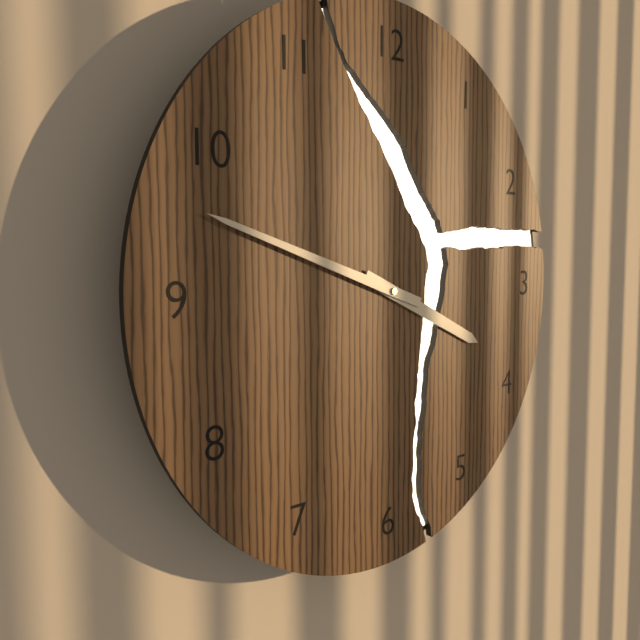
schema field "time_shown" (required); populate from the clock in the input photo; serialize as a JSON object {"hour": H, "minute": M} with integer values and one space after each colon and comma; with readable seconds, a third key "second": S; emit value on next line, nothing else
{"hour": 3, "minute": 48}
